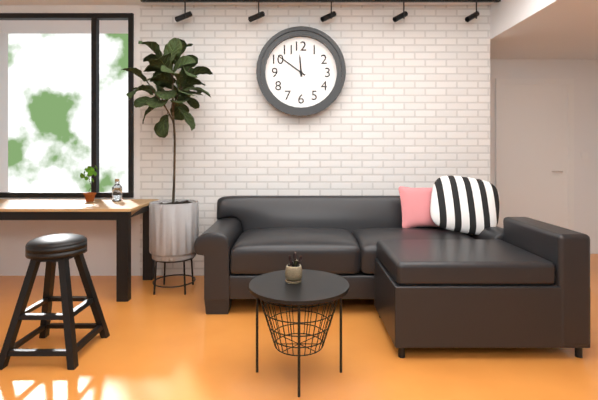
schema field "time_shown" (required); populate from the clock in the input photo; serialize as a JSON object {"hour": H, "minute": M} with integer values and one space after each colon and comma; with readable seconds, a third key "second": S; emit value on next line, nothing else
{"hour": 11, "minute": 51}
